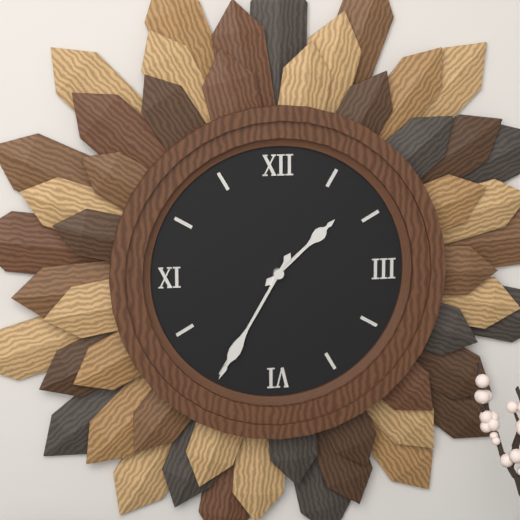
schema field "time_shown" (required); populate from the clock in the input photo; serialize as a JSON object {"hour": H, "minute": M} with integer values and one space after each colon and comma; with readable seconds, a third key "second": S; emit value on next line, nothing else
{"hour": 1, "minute": 35}
